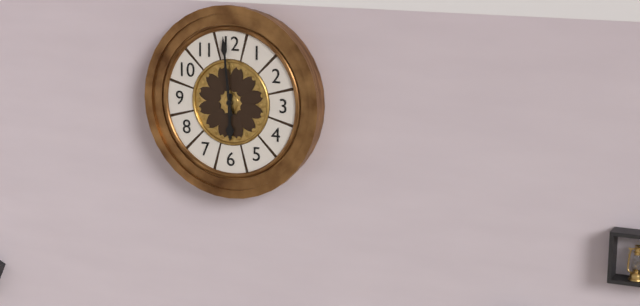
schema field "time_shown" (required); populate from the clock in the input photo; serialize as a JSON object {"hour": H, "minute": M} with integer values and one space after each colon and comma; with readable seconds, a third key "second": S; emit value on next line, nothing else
{"hour": 5, "minute": 59}
